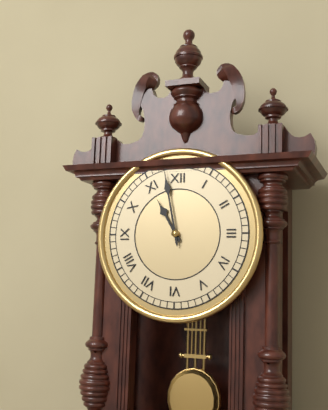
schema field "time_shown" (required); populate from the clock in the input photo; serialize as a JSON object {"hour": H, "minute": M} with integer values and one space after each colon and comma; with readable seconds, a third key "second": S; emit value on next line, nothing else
{"hour": 10, "minute": 58}
